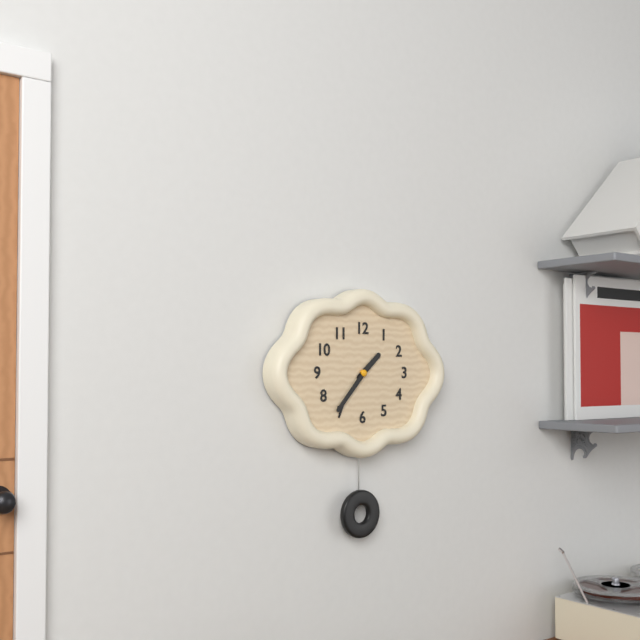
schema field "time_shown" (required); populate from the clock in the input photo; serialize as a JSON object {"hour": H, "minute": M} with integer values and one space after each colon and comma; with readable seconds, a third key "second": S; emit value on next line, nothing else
{"hour": 1, "minute": 37}
